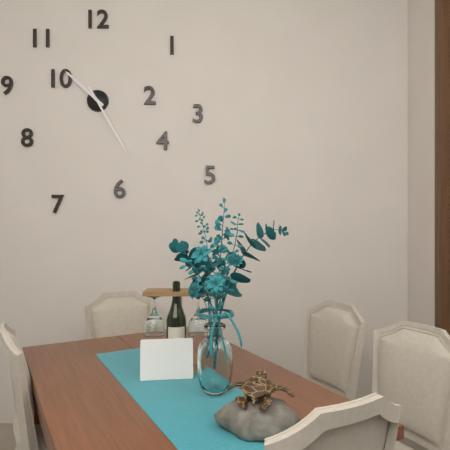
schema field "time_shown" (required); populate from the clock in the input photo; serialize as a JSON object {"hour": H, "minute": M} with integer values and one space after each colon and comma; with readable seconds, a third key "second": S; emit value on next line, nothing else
{"hour": 10, "minute": 25}
